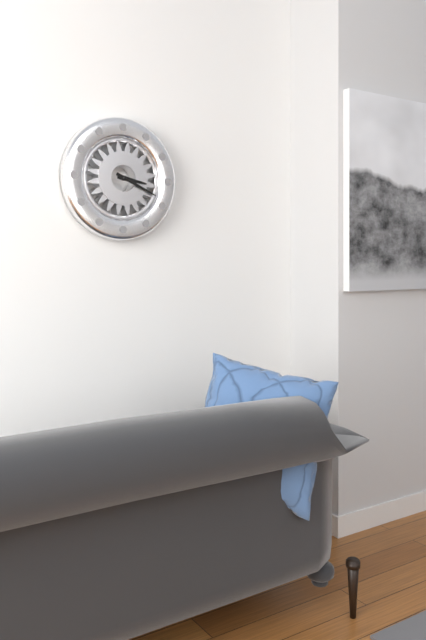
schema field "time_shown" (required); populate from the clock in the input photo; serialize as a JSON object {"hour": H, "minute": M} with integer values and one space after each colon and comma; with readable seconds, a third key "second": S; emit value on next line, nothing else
{"hour": 3, "minute": 19}
